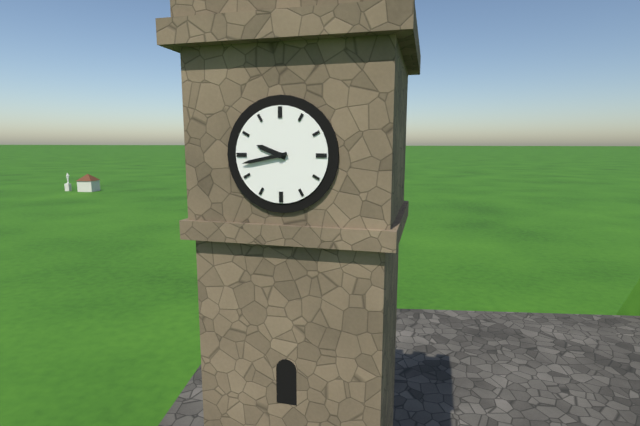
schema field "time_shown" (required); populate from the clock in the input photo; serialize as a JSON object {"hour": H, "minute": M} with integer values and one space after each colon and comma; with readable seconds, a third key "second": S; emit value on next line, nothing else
{"hour": 9, "minute": 43}
